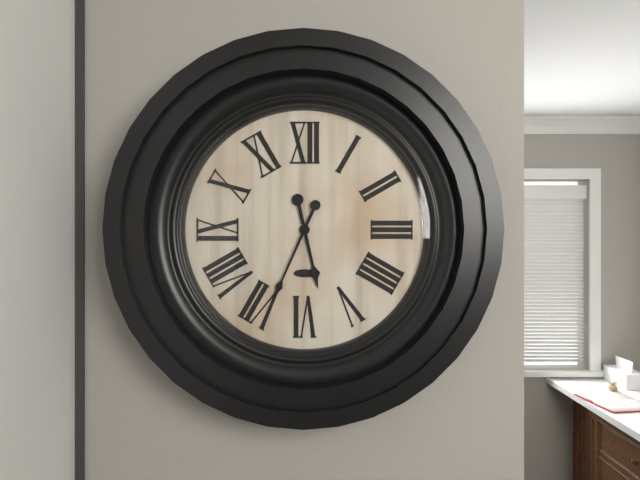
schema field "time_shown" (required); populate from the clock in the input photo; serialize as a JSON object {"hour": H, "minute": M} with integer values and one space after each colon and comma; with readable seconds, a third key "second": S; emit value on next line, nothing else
{"hour": 5, "minute": 34}
